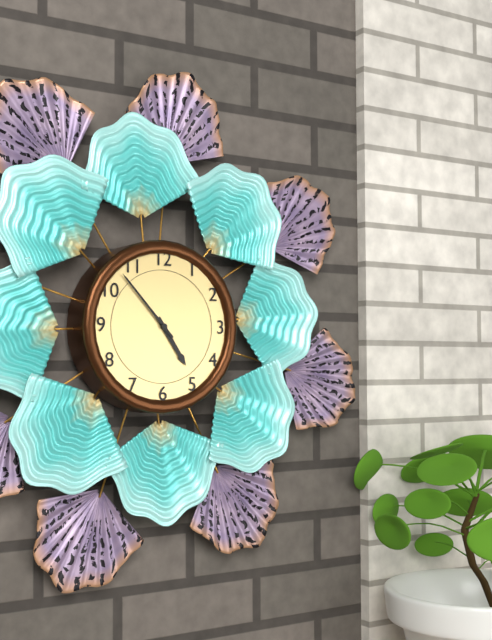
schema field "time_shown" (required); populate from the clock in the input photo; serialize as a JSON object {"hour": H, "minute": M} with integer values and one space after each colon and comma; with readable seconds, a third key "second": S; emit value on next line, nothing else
{"hour": 4, "minute": 53}
